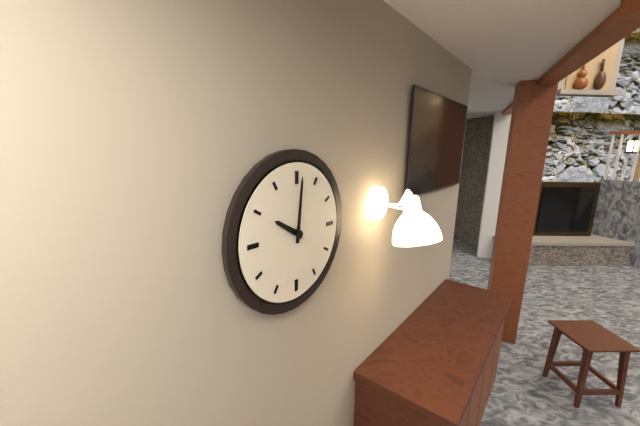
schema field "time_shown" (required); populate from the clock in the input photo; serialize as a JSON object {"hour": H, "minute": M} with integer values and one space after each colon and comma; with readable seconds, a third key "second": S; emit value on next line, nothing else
{"hour": 10, "minute": 1}
